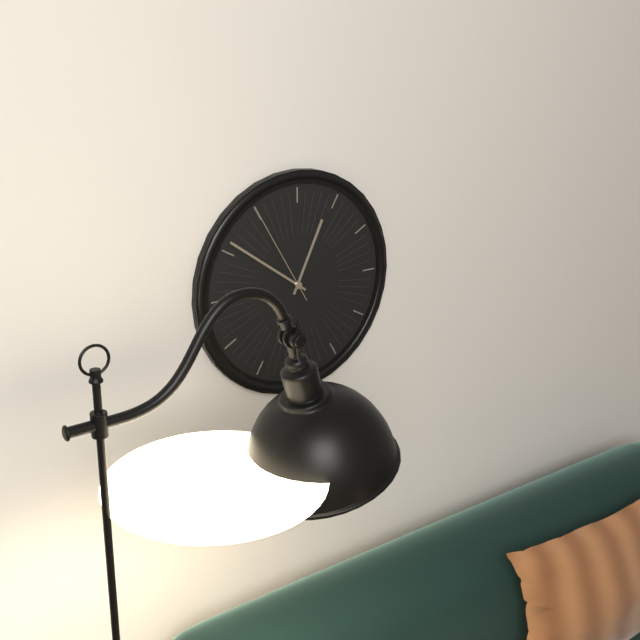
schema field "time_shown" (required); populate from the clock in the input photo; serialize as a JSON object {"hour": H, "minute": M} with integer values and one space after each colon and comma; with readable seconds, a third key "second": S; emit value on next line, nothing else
{"hour": 12, "minute": 51, "second": 55}
